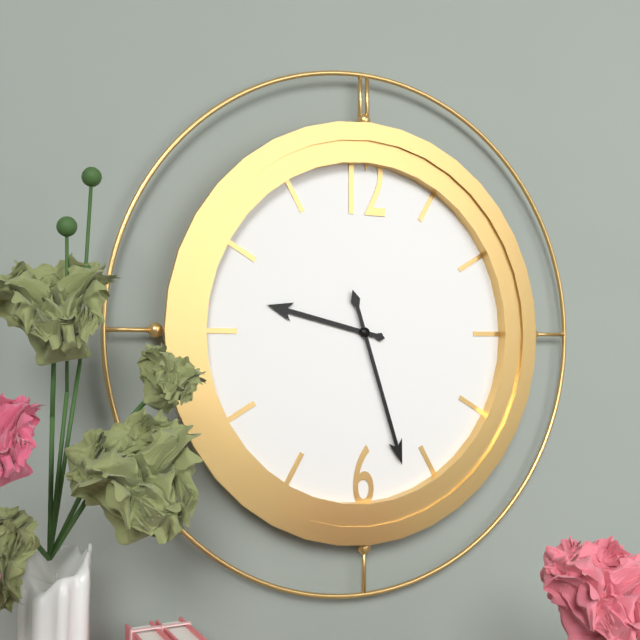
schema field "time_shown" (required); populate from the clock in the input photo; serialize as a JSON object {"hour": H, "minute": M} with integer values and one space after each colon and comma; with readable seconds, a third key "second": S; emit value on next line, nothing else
{"hour": 9, "minute": 27}
